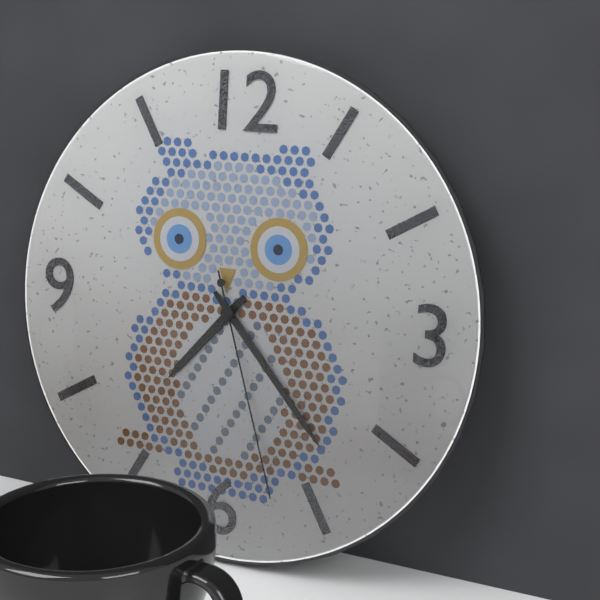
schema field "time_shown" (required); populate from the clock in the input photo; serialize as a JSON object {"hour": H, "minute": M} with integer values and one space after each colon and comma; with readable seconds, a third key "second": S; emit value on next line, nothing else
{"hour": 7, "minute": 23, "second": 27}
